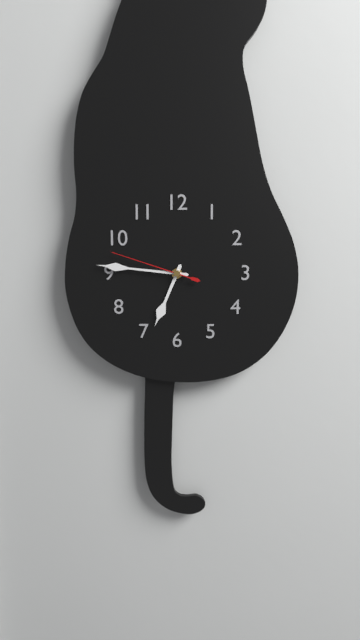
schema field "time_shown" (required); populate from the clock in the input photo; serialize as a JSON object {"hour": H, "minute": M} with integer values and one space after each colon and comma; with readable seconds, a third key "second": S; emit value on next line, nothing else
{"hour": 6, "minute": 46, "second": 48}
